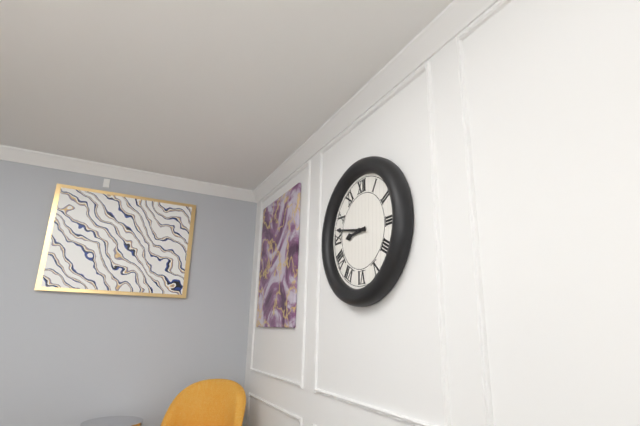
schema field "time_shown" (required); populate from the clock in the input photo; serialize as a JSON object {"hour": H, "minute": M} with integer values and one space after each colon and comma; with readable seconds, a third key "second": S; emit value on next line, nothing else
{"hour": 8, "minute": 47}
